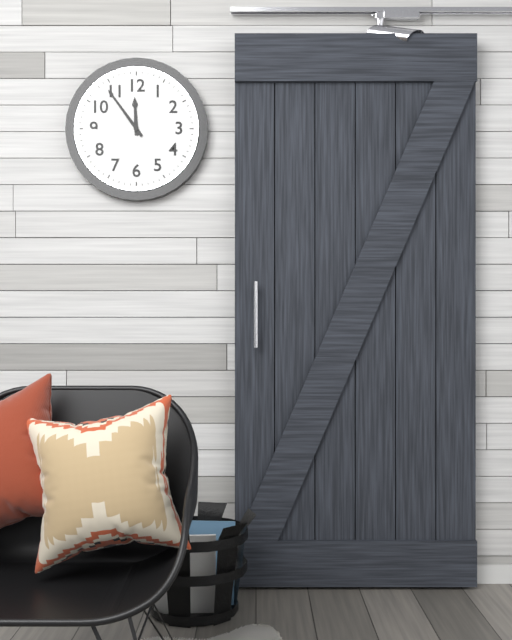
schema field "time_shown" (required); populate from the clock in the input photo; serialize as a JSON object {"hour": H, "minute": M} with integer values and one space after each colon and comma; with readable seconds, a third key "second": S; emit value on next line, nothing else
{"hour": 11, "minute": 54}
